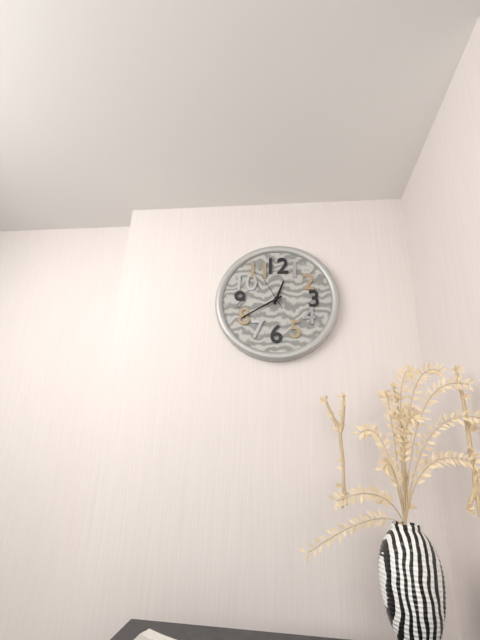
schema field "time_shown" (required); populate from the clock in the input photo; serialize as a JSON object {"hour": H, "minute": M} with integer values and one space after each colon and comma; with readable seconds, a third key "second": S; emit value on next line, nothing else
{"hour": 12, "minute": 40}
